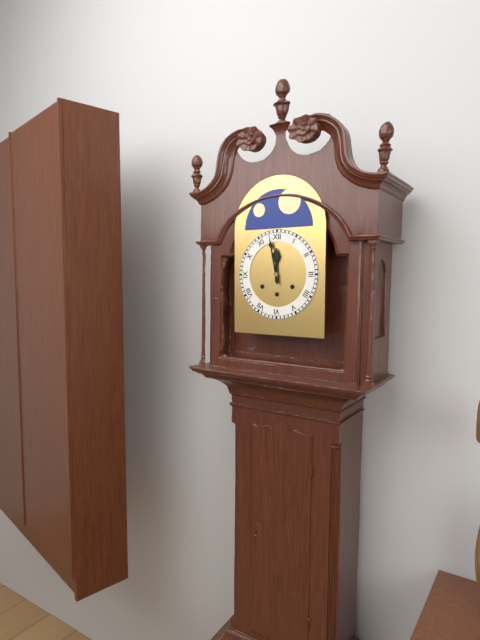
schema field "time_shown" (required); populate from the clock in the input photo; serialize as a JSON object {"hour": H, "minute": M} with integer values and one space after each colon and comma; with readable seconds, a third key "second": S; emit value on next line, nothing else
{"hour": 11, "minute": 58}
